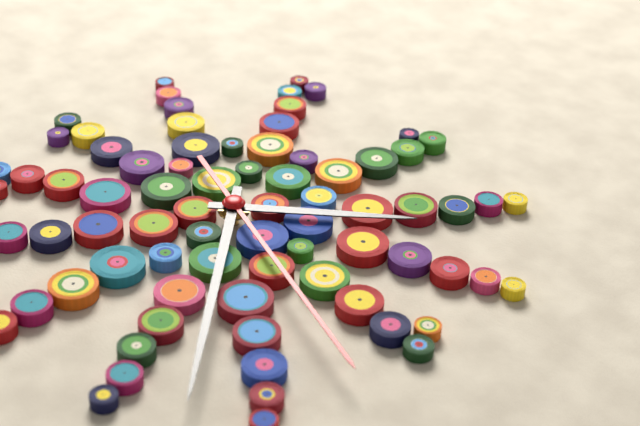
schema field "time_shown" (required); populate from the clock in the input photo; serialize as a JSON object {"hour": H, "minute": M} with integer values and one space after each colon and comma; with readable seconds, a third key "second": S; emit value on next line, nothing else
{"hour": 1, "minute": 22, "second": 17}
